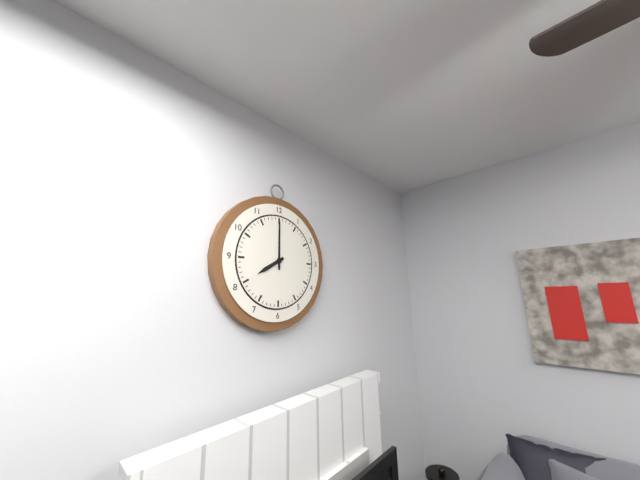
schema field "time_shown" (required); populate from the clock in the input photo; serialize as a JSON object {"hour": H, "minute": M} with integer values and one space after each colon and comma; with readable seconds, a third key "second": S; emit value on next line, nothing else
{"hour": 8, "minute": 0}
